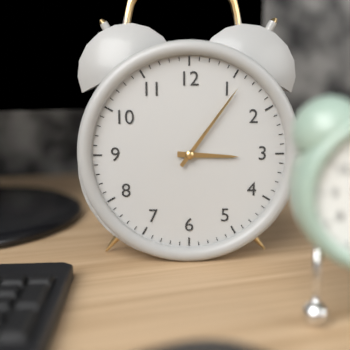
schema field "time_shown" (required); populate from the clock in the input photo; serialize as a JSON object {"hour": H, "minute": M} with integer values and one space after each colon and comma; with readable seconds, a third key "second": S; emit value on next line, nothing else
{"hour": 3, "minute": 6}
